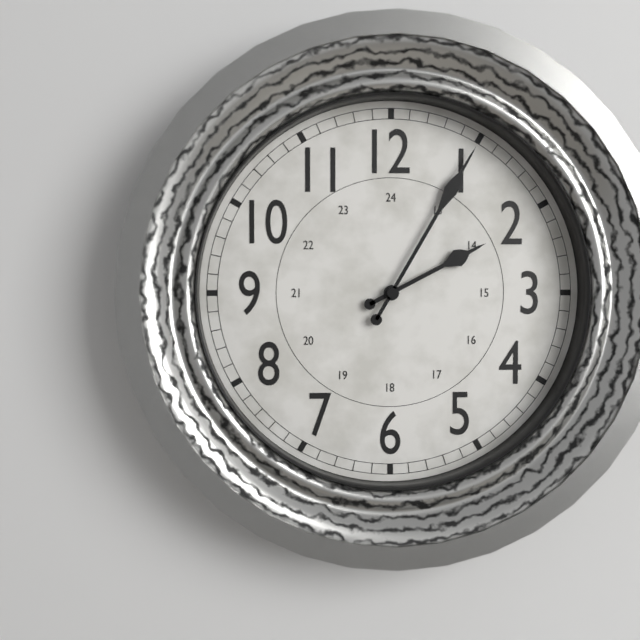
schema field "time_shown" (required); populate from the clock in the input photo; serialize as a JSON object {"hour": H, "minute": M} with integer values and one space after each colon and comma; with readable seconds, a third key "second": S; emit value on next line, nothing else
{"hour": 2, "minute": 5}
